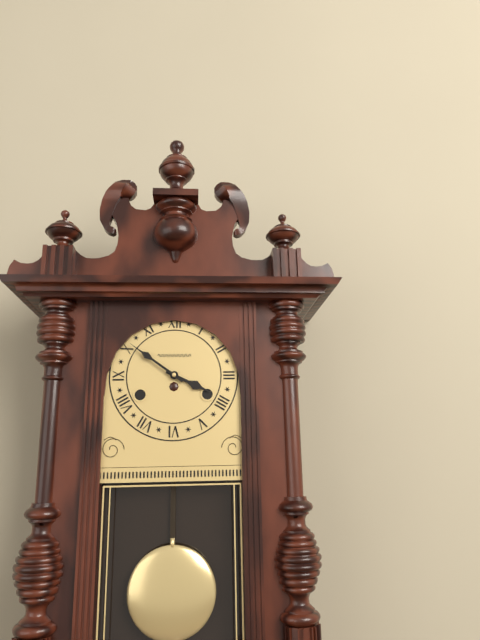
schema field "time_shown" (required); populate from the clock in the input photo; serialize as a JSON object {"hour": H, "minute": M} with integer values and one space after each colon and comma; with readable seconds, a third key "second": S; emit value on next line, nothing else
{"hour": 3, "minute": 51}
